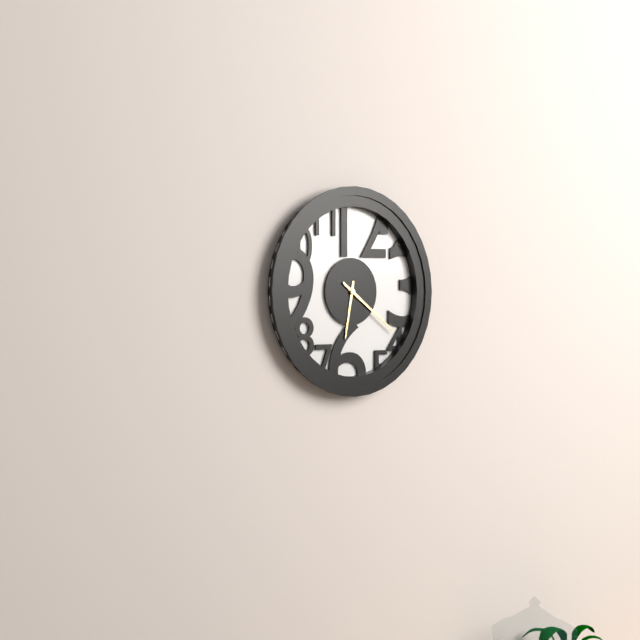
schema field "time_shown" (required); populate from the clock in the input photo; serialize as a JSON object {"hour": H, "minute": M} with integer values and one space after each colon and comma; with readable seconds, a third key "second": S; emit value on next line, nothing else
{"hour": 6, "minute": 21}
